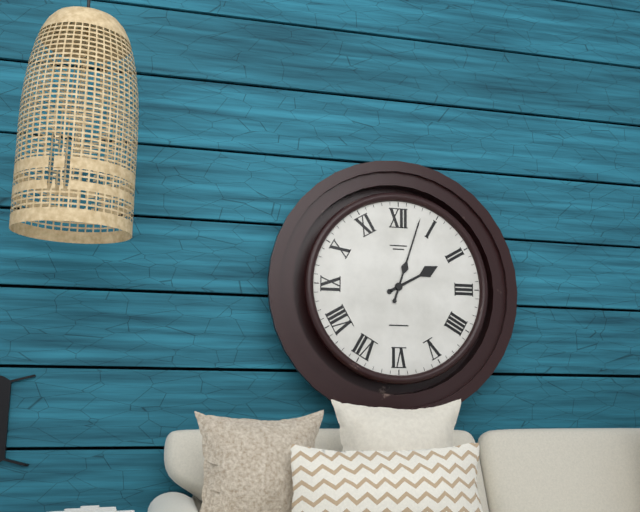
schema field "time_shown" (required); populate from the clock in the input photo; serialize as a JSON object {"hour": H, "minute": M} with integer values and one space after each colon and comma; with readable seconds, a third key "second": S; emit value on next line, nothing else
{"hour": 2, "minute": 3}
